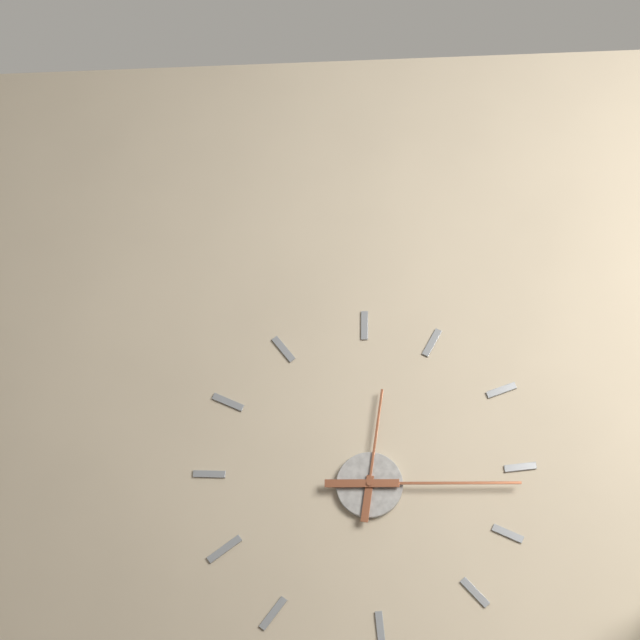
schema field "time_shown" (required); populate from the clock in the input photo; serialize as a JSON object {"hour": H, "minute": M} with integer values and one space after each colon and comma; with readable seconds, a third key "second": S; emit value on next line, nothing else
{"hour": 12, "minute": 15}
